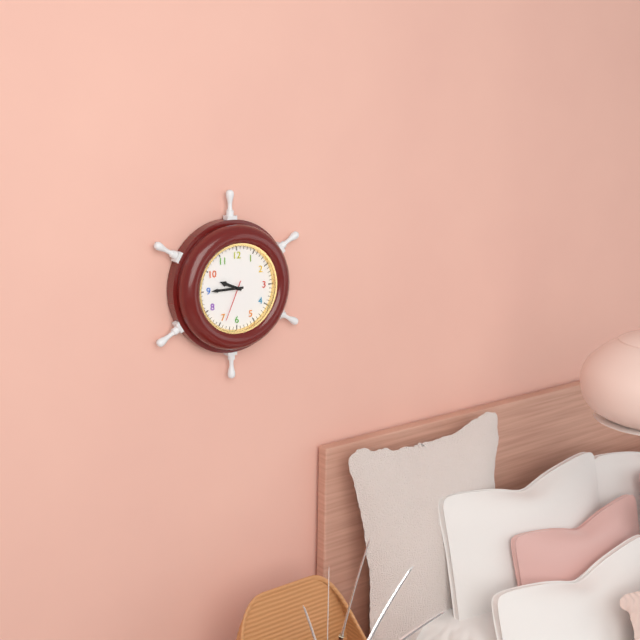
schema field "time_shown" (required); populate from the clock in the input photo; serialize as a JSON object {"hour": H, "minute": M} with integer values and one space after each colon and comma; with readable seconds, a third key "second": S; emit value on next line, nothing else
{"hour": 9, "minute": 45}
